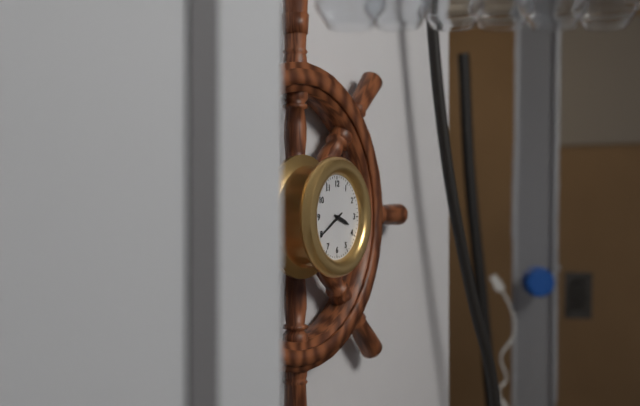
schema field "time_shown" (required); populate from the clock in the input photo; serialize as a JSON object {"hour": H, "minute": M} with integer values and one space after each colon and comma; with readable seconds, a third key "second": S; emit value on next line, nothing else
{"hour": 3, "minute": 40}
